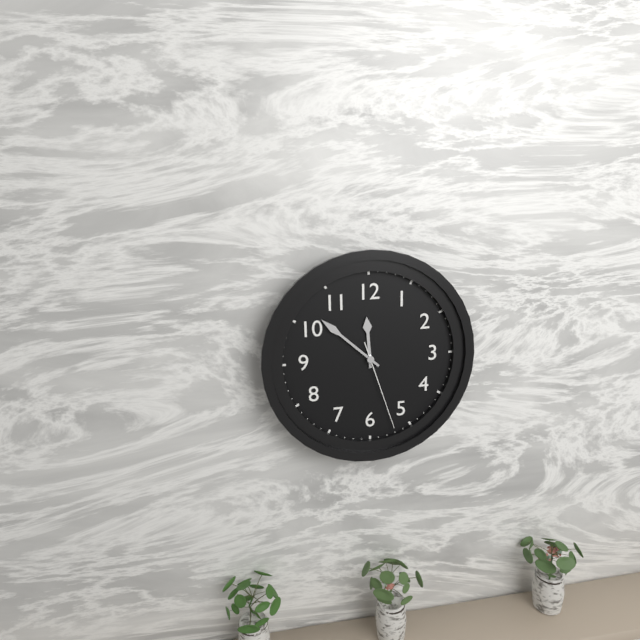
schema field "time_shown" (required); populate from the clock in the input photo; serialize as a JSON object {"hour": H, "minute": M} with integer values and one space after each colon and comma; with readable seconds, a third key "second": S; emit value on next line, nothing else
{"hour": 11, "minute": 52, "second": 27}
